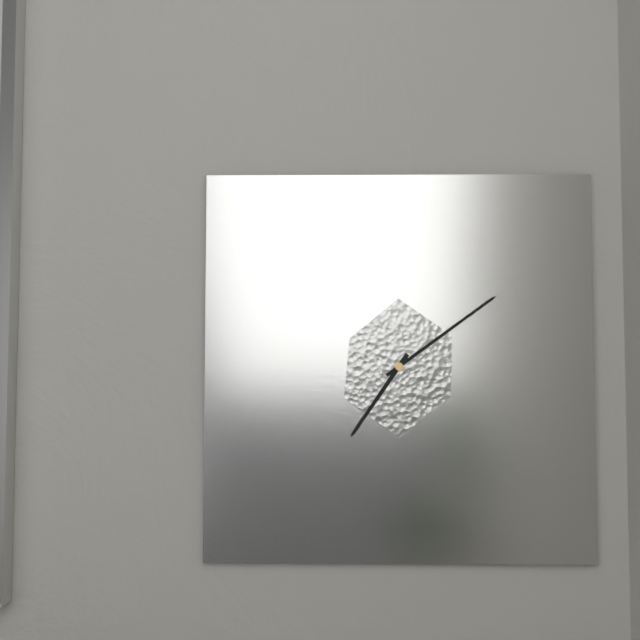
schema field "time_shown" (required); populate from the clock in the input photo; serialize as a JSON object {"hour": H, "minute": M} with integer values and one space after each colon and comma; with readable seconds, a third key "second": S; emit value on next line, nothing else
{"hour": 7, "minute": 9}
